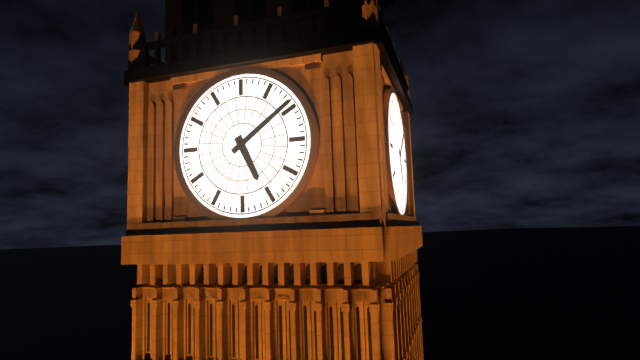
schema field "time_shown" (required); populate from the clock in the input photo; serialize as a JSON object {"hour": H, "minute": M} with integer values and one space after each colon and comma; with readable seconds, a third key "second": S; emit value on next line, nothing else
{"hour": 5, "minute": 9}
